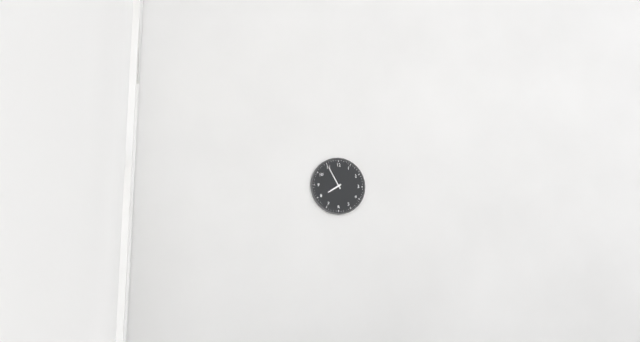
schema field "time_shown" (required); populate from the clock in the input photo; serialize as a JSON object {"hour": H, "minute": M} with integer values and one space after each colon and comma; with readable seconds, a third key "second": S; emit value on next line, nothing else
{"hour": 7, "minute": 55}
